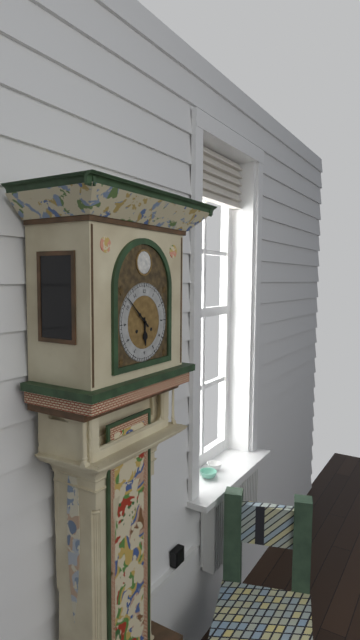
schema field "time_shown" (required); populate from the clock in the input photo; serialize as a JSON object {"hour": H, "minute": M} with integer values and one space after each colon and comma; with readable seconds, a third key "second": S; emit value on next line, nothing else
{"hour": 5, "minute": 52}
